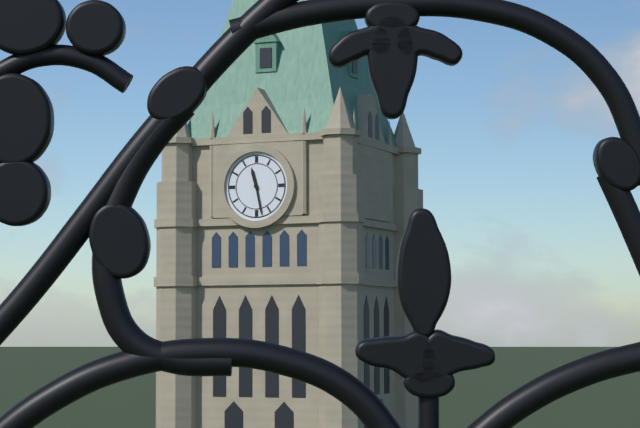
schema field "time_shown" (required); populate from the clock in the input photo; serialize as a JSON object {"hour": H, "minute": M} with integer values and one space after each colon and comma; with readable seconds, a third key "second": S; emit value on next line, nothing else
{"hour": 11, "minute": 28}
